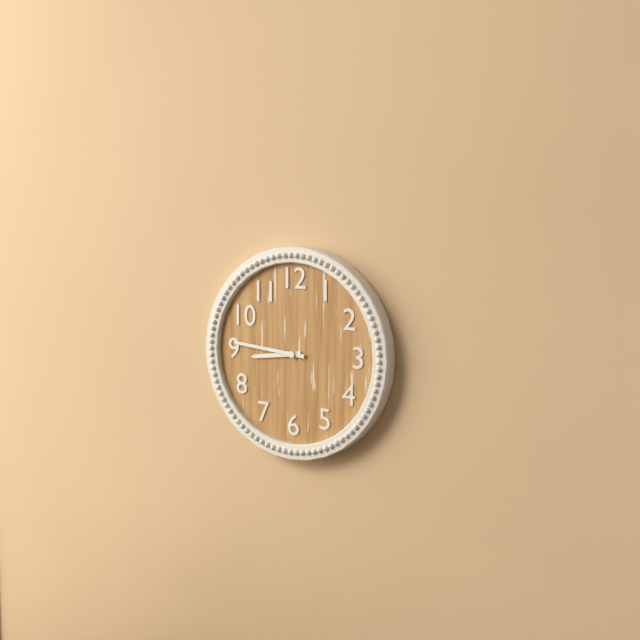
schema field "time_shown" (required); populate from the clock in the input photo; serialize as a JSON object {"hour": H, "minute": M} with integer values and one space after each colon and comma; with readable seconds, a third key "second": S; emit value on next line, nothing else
{"hour": 8, "minute": 46}
